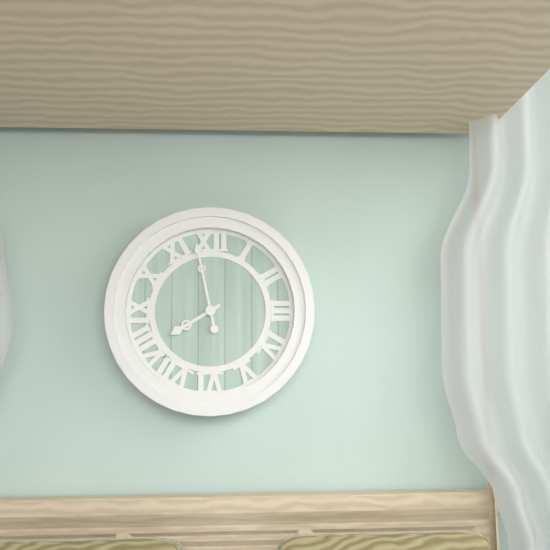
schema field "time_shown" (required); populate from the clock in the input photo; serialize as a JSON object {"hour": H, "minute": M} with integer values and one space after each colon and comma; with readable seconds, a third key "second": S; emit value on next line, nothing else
{"hour": 7, "minute": 58}
